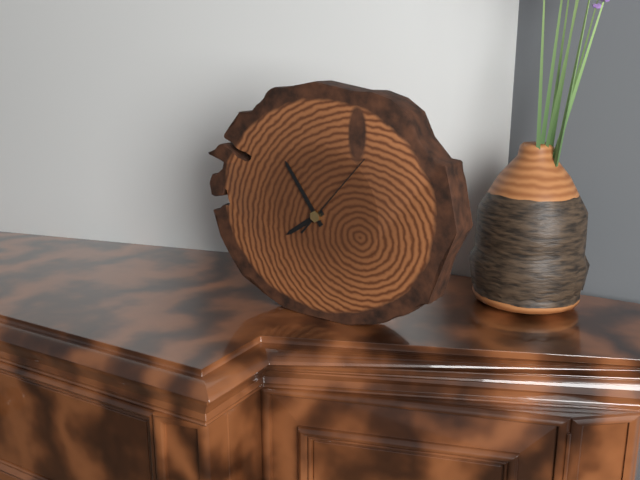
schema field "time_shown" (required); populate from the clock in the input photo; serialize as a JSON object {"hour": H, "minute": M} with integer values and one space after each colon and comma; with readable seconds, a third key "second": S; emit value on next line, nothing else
{"hour": 7, "minute": 54, "second": 7}
